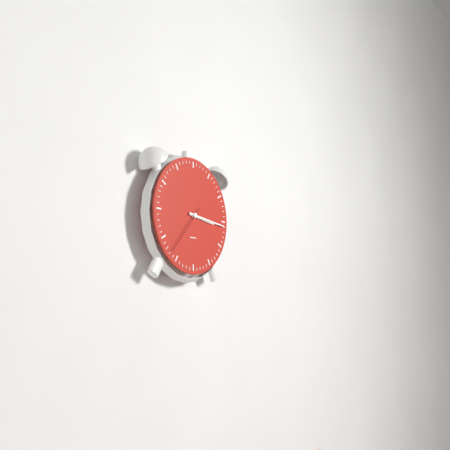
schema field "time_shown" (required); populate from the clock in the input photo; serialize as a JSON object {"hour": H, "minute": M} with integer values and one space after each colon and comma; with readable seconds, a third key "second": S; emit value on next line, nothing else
{"hour": 3, "minute": 16, "second": 37}
